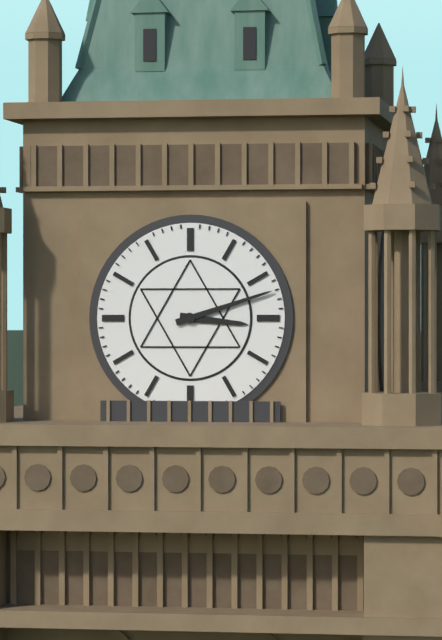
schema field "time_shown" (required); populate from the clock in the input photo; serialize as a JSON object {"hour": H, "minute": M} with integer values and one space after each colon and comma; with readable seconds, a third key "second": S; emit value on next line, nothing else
{"hour": 3, "minute": 12}
